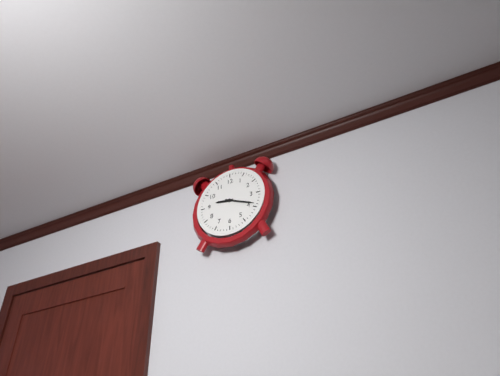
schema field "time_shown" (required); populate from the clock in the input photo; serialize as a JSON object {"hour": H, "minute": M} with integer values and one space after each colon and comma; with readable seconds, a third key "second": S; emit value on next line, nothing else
{"hour": 9, "minute": 19}
